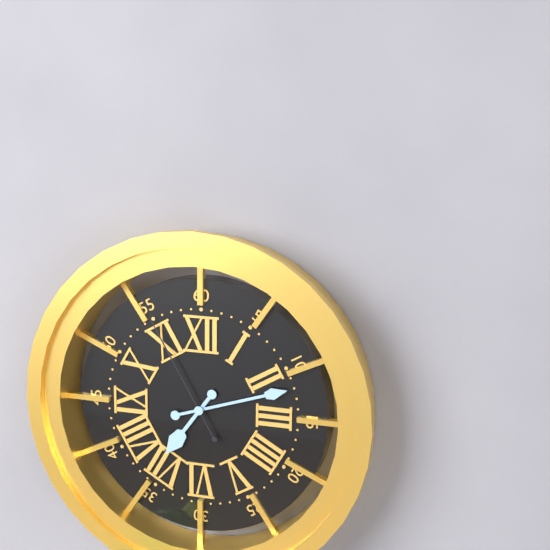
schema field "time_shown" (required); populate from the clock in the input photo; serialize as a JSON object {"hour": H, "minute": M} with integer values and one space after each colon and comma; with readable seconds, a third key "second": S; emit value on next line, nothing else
{"hour": 7, "minute": 12, "second": 55}
